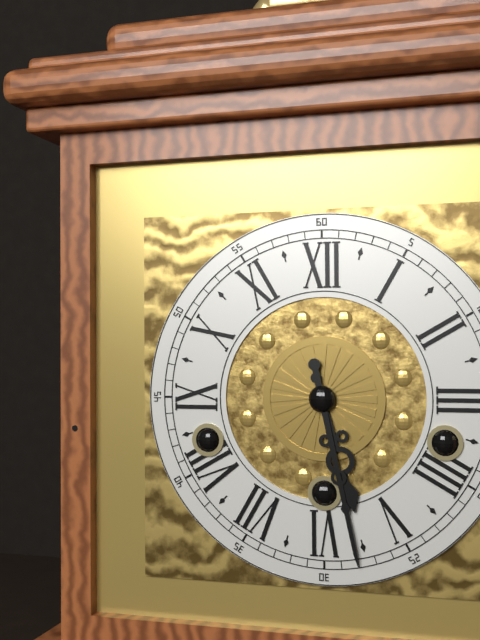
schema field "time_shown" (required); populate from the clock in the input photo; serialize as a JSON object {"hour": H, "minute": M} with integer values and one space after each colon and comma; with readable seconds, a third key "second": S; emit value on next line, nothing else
{"hour": 5, "minute": 28}
